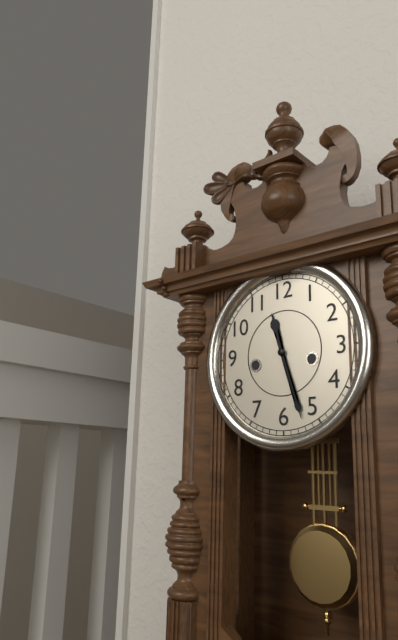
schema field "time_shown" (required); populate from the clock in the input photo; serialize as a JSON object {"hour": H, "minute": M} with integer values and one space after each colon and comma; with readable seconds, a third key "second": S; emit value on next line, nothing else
{"hour": 11, "minute": 27}
